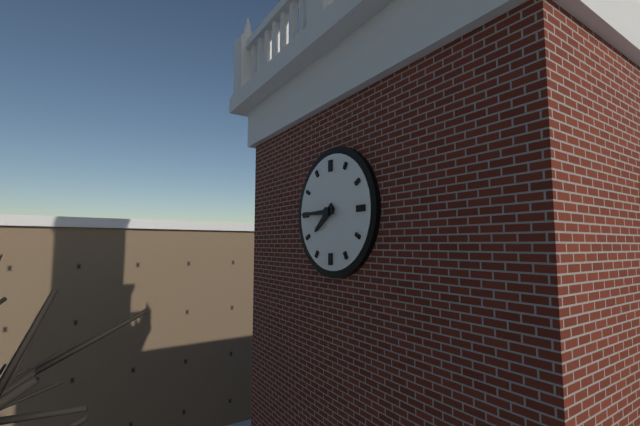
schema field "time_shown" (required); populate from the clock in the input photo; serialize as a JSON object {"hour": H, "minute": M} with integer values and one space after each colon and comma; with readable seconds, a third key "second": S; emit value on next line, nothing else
{"hour": 7, "minute": 45}
